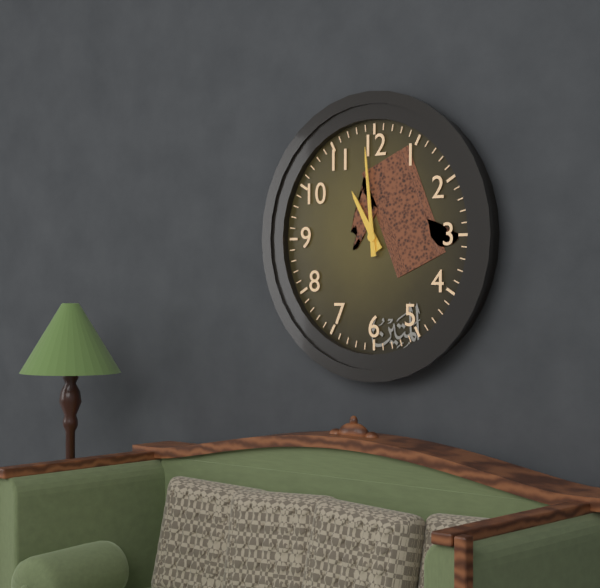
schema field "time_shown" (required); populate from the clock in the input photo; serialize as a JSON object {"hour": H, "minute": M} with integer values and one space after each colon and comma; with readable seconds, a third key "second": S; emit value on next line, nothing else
{"hour": 10, "minute": 59}
